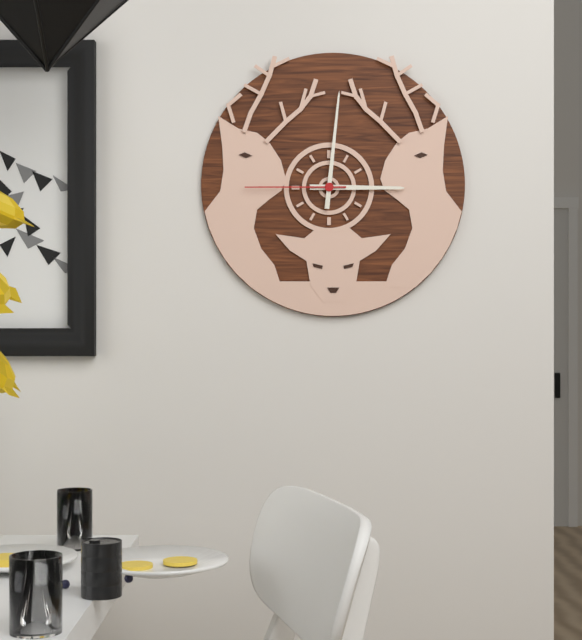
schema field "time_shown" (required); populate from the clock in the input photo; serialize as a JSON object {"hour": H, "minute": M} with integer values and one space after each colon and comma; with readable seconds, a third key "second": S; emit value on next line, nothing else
{"hour": 3, "minute": 1, "second": 45}
